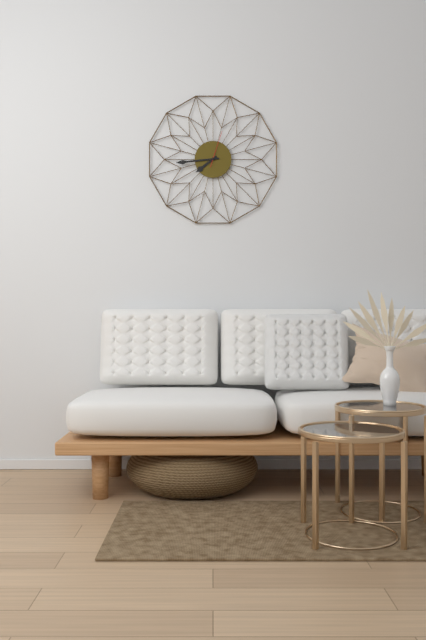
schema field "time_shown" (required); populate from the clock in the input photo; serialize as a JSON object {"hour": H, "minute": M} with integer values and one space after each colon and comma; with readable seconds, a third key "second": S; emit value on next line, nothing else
{"hour": 7, "minute": 44}
